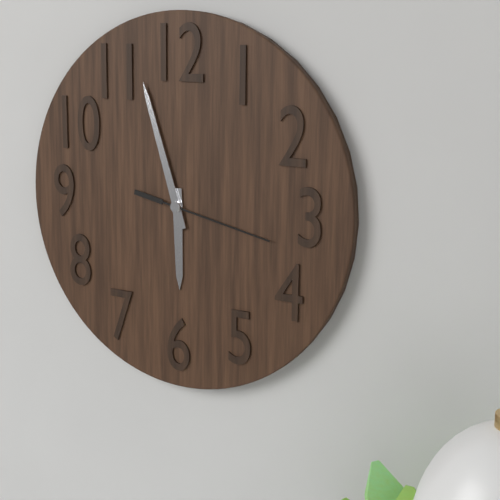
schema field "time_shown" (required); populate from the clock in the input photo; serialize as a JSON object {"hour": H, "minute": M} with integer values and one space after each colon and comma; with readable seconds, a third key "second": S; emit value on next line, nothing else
{"hour": 5, "minute": 57, "second": 17}
